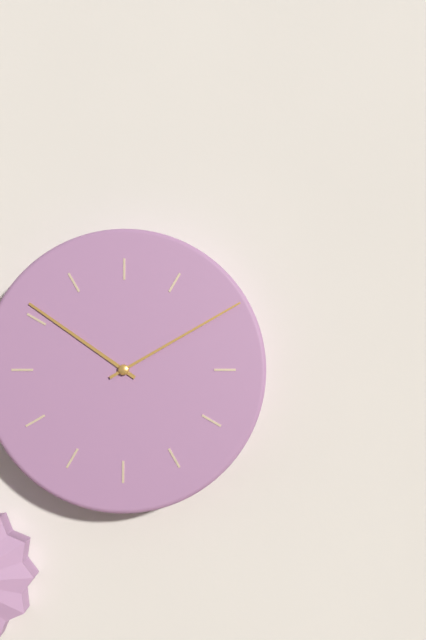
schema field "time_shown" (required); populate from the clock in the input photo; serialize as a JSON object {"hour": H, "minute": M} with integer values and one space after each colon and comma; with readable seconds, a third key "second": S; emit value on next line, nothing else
{"hour": 10, "minute": 10}
